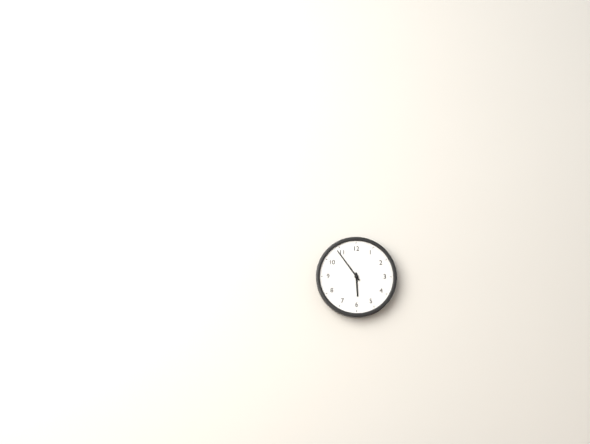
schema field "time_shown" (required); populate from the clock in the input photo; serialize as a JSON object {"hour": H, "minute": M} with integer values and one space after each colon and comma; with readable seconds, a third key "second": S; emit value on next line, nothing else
{"hour": 5, "minute": 54}
